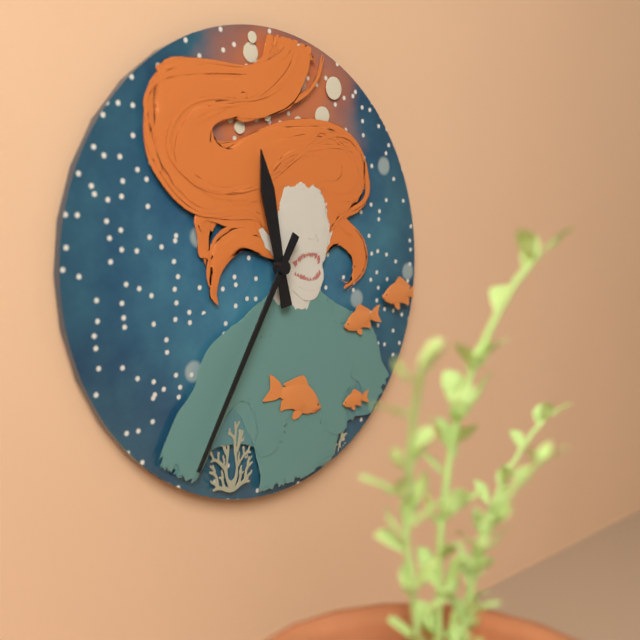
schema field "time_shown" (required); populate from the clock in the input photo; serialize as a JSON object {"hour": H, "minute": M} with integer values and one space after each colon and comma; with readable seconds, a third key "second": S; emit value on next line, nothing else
{"hour": 11, "minute": 35}
